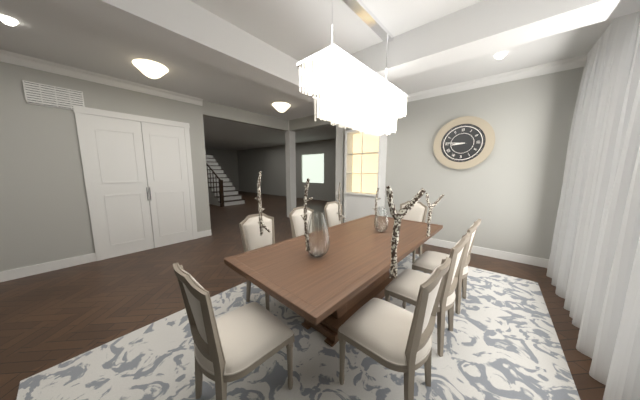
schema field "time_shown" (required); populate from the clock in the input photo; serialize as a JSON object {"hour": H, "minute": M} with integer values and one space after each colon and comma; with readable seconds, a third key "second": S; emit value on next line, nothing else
{"hour": 8, "minute": 46}
